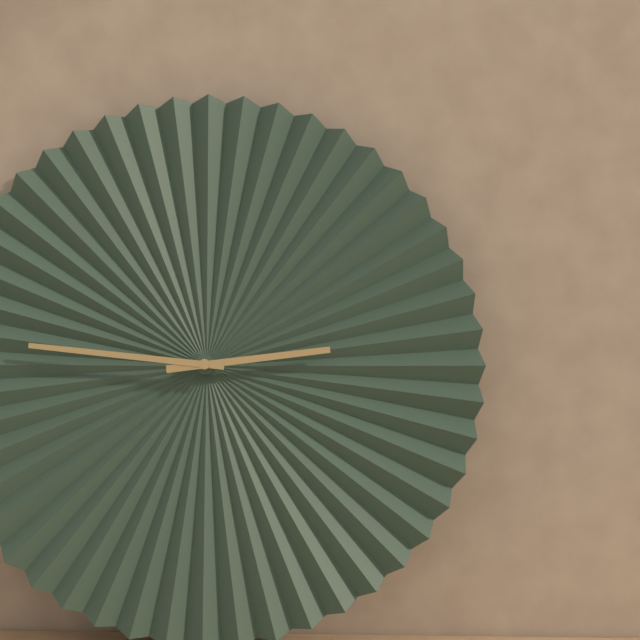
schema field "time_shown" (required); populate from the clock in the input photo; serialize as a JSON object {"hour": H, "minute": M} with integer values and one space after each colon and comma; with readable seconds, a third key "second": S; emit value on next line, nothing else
{"hour": 2, "minute": 46}
